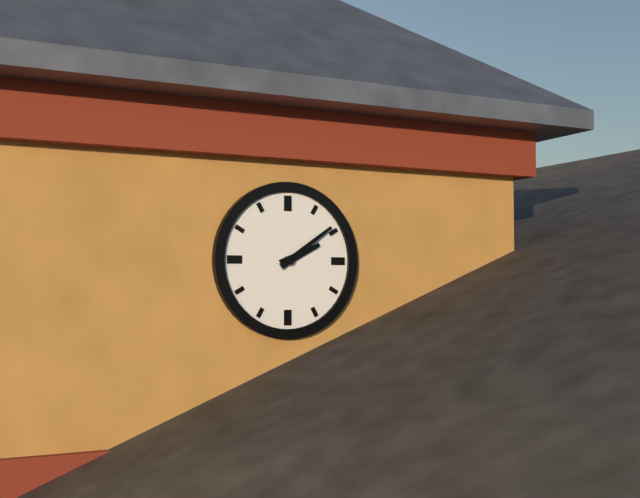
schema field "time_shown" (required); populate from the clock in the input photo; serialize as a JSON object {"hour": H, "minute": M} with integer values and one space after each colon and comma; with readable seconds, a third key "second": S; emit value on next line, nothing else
{"hour": 2, "minute": 9}
